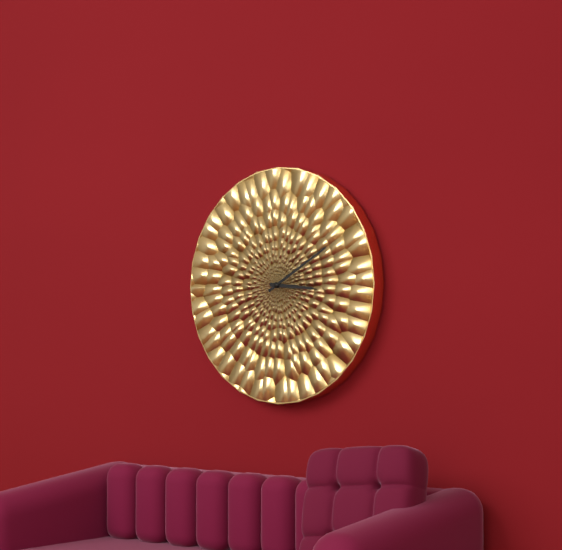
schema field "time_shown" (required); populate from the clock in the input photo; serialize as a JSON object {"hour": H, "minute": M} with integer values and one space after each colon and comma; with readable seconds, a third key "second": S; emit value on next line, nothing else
{"hour": 3, "minute": 10}
